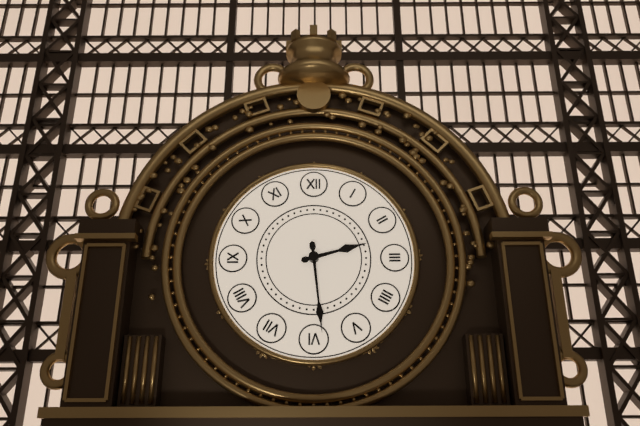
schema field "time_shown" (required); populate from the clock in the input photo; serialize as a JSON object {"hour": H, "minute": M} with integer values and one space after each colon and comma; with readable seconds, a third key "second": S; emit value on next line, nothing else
{"hour": 2, "minute": 29}
